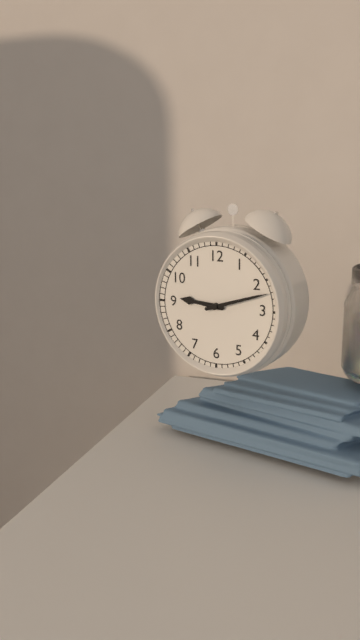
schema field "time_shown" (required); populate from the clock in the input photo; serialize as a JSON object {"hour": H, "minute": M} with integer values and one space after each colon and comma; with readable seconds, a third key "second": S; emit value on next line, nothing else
{"hour": 9, "minute": 12}
